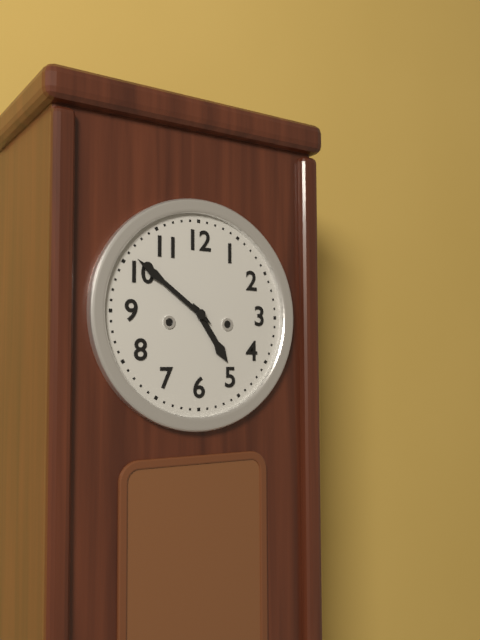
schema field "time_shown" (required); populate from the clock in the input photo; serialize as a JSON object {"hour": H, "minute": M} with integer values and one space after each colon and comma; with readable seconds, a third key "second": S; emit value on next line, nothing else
{"hour": 4, "minute": 51}
